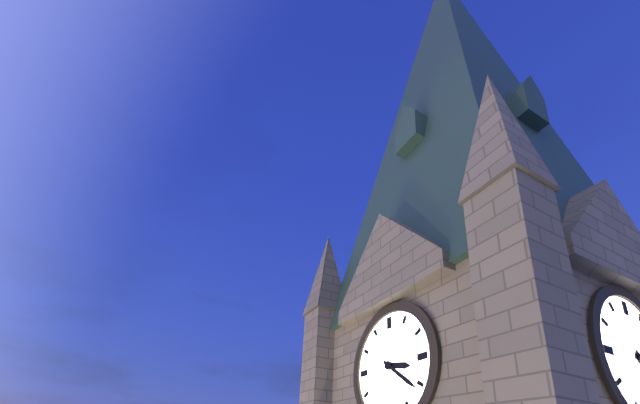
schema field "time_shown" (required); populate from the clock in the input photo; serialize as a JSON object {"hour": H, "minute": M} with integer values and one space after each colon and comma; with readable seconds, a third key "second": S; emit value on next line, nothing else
{"hour": 3, "minute": 21}
